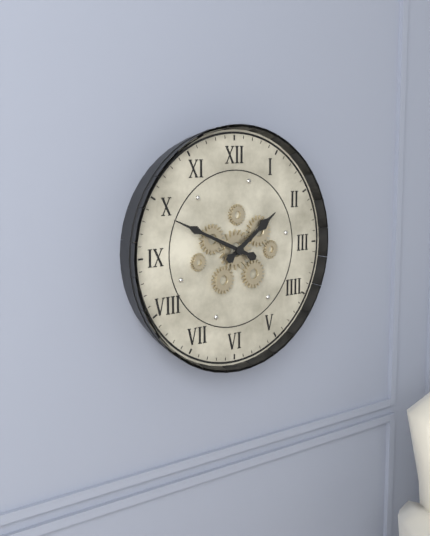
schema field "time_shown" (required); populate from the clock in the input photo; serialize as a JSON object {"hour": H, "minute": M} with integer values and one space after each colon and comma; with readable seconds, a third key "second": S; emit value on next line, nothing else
{"hour": 1, "minute": 49}
